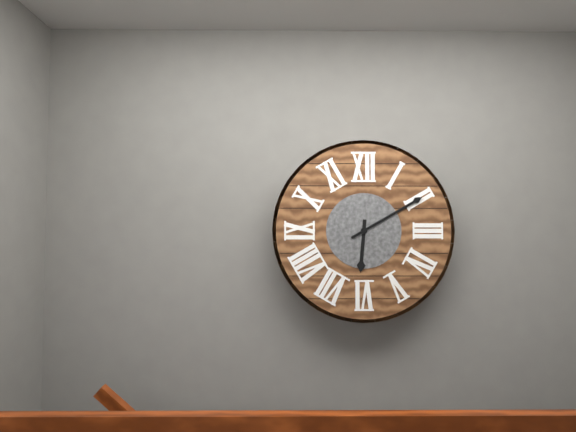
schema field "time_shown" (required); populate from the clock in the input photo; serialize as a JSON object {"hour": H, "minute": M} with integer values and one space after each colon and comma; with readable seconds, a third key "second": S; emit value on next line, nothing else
{"hour": 6, "minute": 10}
